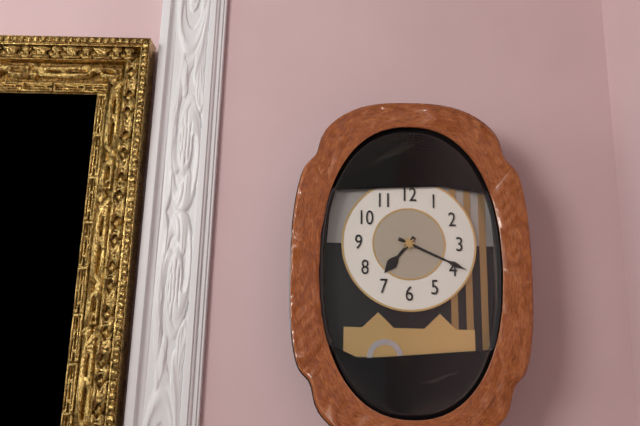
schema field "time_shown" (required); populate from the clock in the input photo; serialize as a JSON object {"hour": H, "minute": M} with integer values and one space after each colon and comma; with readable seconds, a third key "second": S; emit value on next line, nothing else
{"hour": 7, "minute": 19}
